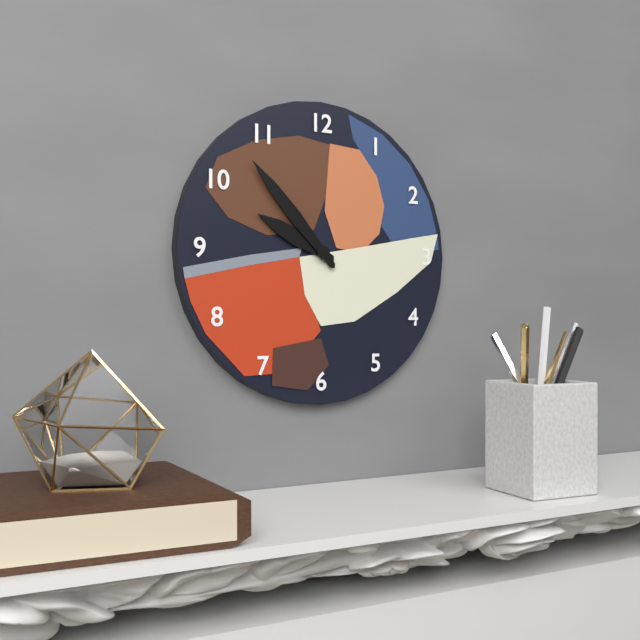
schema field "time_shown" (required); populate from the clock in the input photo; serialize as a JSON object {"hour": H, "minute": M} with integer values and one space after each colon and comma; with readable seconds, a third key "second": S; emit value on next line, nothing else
{"hour": 9, "minute": 53}
